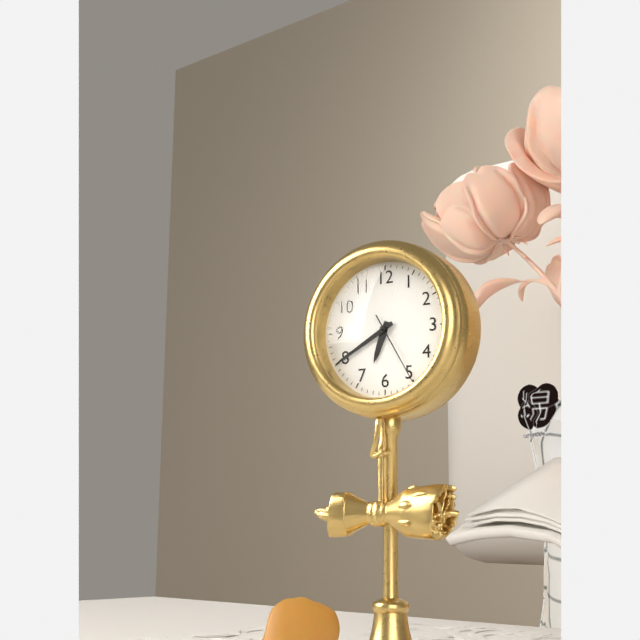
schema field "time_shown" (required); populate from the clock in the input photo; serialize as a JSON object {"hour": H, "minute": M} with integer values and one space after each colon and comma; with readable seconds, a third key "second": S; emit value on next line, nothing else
{"hour": 6, "minute": 40, "second": 25}
